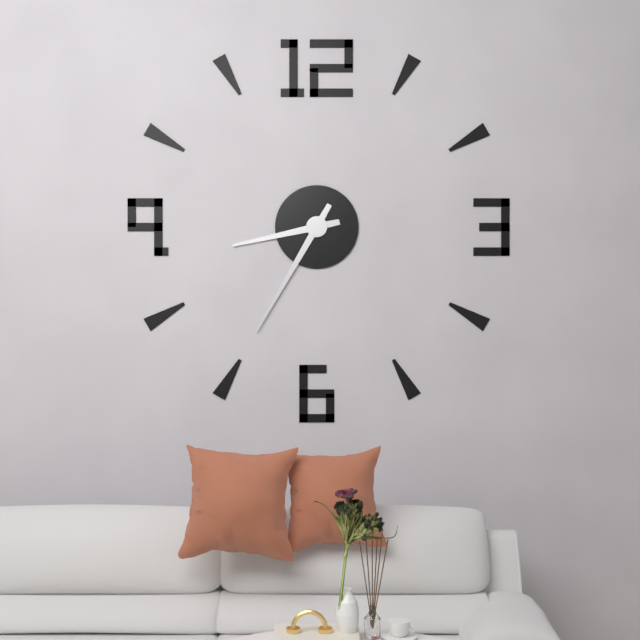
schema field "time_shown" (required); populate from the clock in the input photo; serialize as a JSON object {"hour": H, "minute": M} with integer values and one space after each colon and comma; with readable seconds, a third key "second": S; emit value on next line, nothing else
{"hour": 8, "minute": 35}
